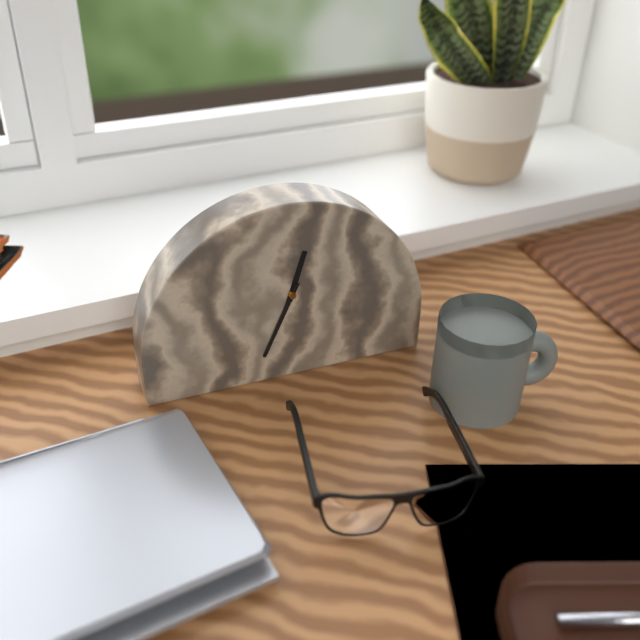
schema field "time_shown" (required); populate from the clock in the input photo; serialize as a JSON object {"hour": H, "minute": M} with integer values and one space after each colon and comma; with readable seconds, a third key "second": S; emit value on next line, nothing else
{"hour": 12, "minute": 34}
